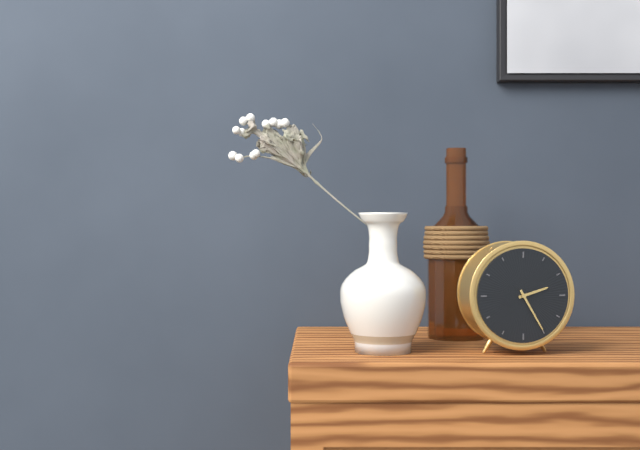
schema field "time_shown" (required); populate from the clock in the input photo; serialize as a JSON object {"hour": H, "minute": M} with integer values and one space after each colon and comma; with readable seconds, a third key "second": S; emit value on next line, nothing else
{"hour": 2, "minute": 25}
